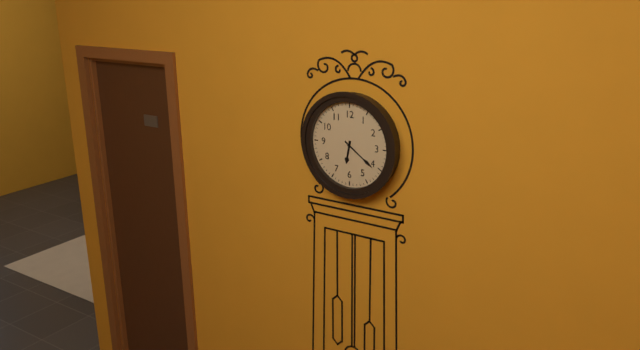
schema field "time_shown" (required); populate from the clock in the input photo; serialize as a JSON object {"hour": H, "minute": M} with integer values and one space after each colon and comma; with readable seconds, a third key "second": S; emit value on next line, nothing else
{"hour": 6, "minute": 21}
